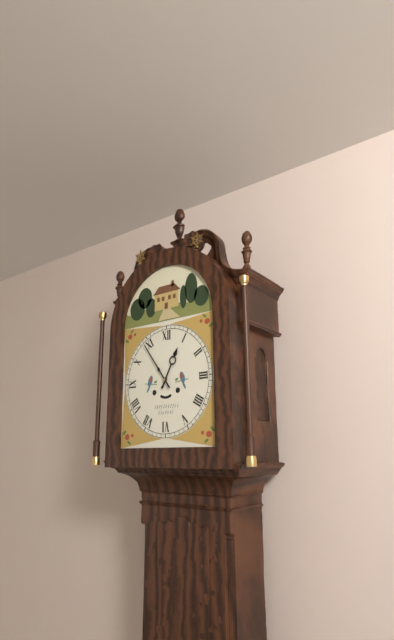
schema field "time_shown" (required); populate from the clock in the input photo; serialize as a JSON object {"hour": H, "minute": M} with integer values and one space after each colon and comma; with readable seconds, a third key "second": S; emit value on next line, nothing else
{"hour": 12, "minute": 54}
